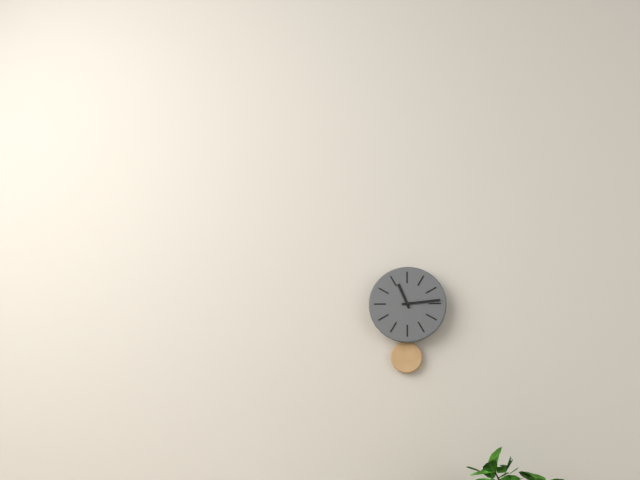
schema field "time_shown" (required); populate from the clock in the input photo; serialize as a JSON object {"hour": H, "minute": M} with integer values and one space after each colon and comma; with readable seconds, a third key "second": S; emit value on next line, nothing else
{"hour": 11, "minute": 14}
